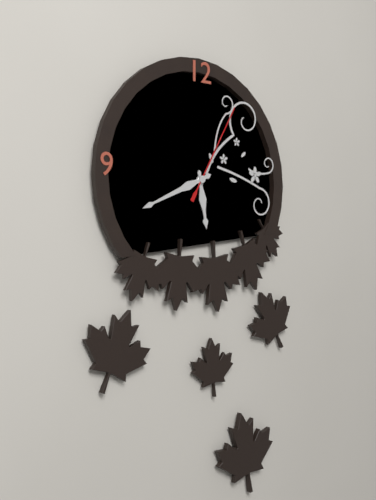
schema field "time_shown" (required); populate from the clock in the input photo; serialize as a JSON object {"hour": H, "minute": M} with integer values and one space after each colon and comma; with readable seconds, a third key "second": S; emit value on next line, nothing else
{"hour": 5, "minute": 41, "second": 5}
